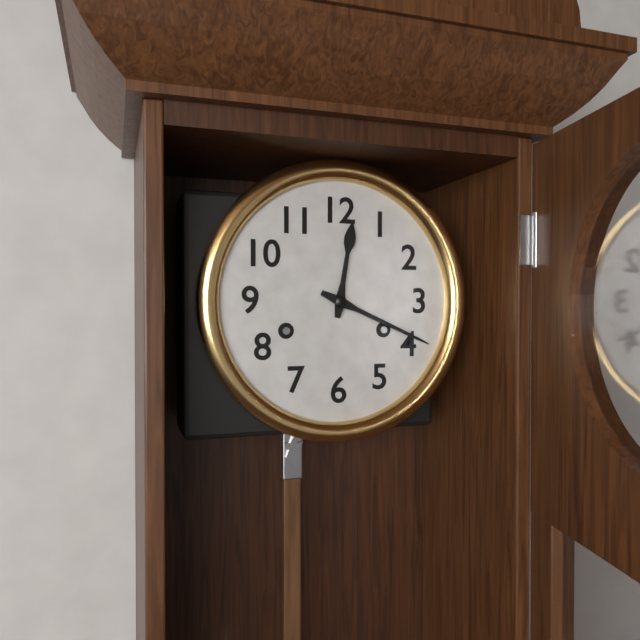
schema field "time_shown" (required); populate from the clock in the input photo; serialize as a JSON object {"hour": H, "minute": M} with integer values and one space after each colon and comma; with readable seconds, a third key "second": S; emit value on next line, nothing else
{"hour": 12, "minute": 19}
